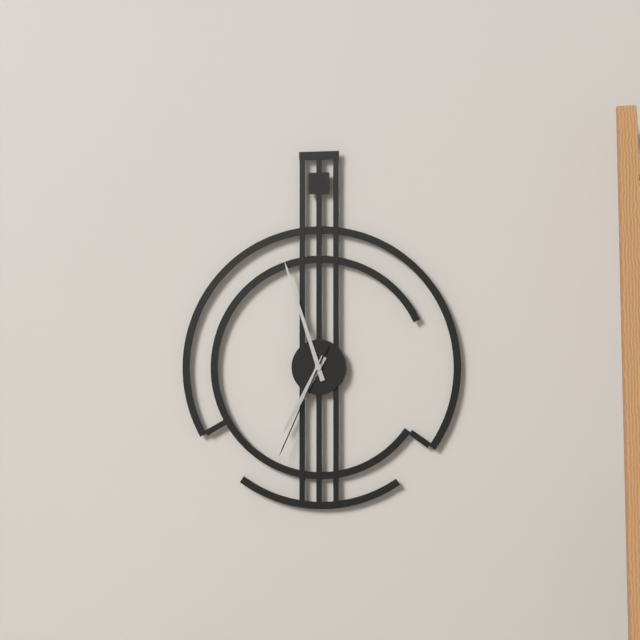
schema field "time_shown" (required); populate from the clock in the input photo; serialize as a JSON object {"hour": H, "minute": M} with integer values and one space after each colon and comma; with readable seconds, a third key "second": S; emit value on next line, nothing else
{"hour": 6, "minute": 57, "second": 34}
